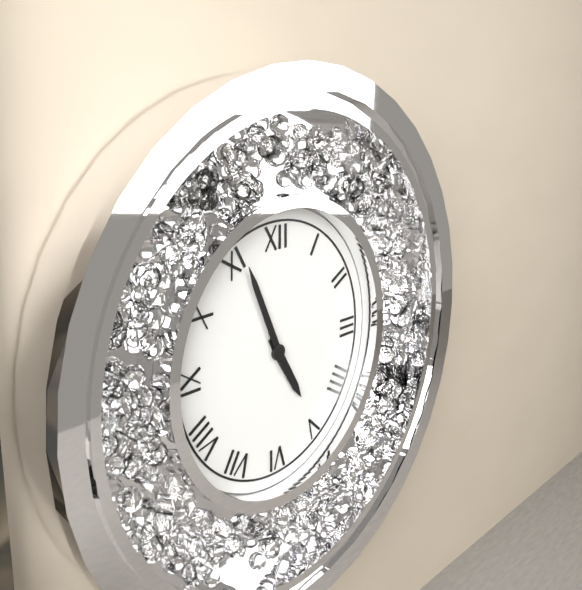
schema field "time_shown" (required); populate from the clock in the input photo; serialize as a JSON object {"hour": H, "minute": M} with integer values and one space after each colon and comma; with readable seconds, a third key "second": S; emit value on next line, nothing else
{"hour": 4, "minute": 56}
